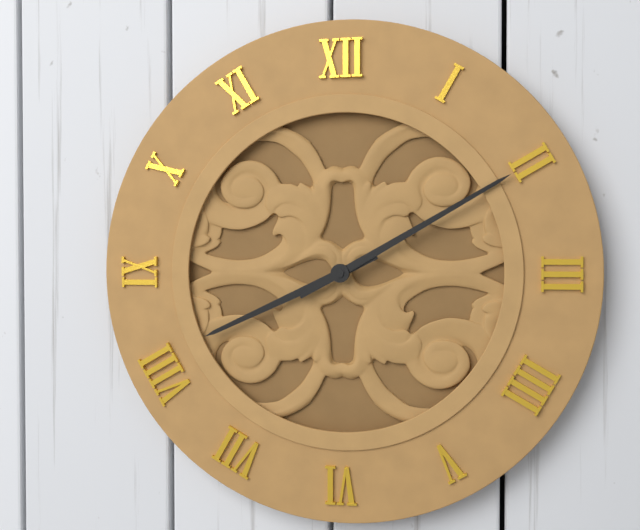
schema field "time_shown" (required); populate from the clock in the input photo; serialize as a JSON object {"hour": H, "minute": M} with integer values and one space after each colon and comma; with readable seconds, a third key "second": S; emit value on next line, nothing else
{"hour": 8, "minute": 10}
